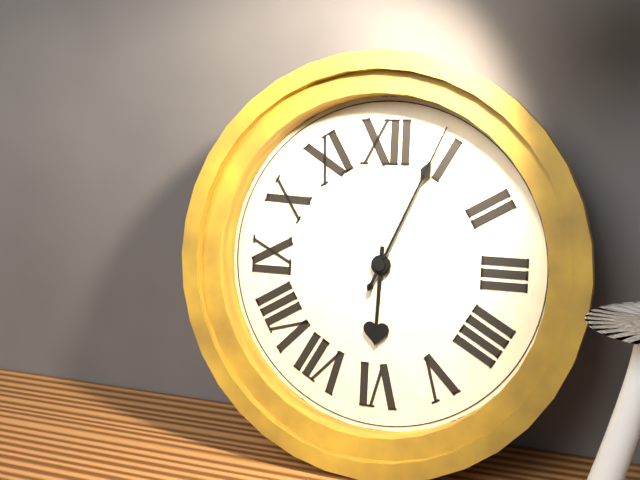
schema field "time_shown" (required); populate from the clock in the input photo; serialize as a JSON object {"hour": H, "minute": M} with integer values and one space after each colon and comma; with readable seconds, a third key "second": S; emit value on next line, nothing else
{"hour": 6, "minute": 4}
